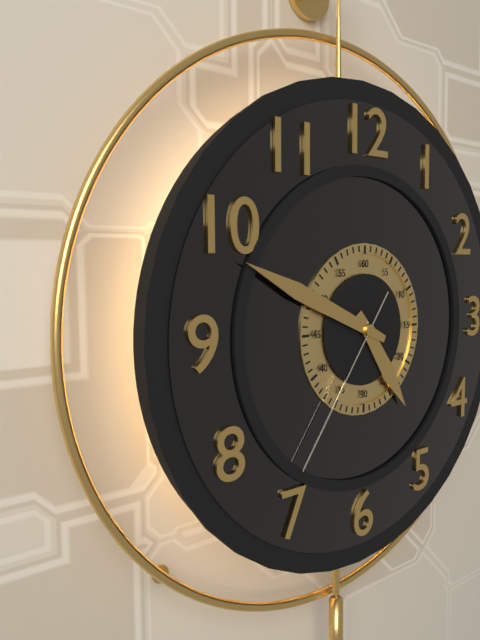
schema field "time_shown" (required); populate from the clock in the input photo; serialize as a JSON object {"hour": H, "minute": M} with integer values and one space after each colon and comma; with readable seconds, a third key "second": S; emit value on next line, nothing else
{"hour": 4, "minute": 49, "second": 36}
